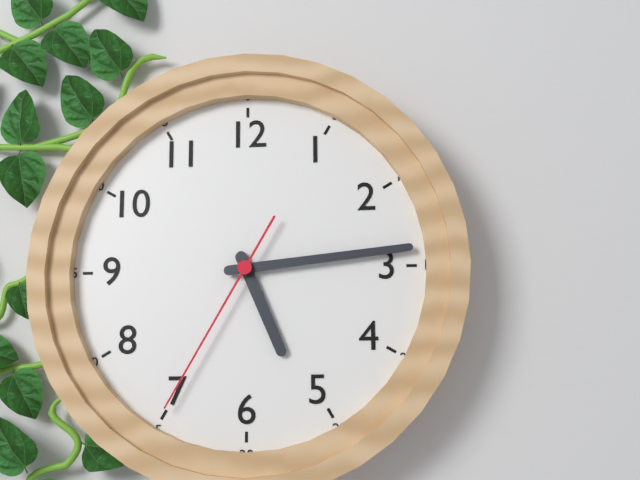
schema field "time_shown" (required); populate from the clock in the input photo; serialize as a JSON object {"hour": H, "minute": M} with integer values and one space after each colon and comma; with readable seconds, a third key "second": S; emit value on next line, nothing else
{"hour": 5, "minute": 14, "second": 35}
